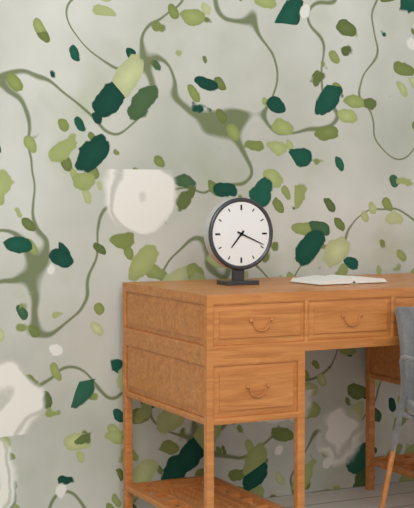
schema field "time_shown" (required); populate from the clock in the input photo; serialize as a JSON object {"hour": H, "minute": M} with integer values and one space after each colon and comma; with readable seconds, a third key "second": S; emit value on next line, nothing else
{"hour": 7, "minute": 19}
